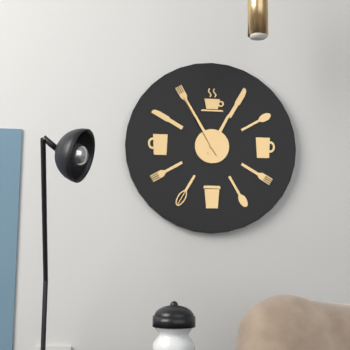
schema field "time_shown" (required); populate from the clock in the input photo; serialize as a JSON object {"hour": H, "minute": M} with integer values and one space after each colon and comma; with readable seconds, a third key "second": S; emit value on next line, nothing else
{"hour": 12, "minute": 55}
